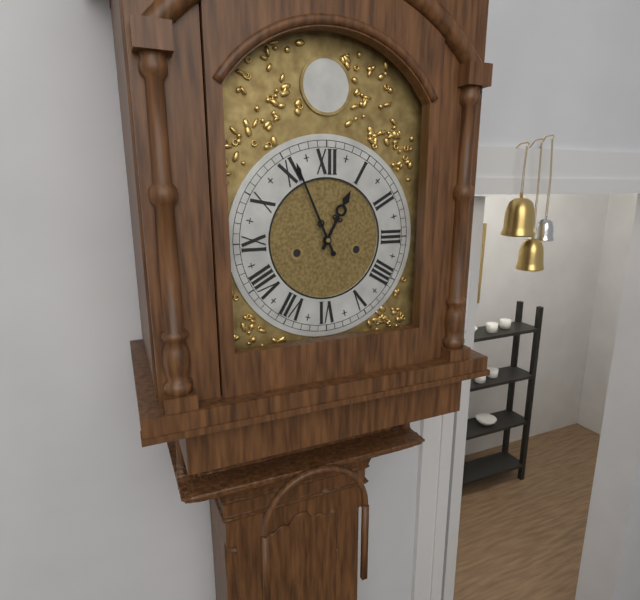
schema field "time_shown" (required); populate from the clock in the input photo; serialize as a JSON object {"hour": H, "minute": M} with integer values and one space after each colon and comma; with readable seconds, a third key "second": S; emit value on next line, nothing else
{"hour": 12, "minute": 56}
